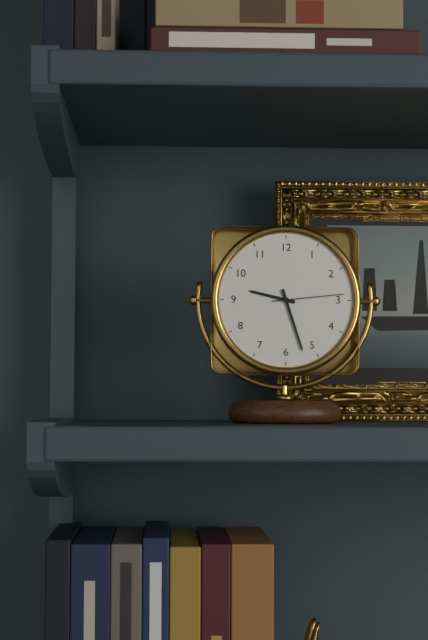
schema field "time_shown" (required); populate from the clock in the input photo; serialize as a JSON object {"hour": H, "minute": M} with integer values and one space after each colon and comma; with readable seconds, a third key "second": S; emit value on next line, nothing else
{"hour": 9, "minute": 27, "second": 14}
